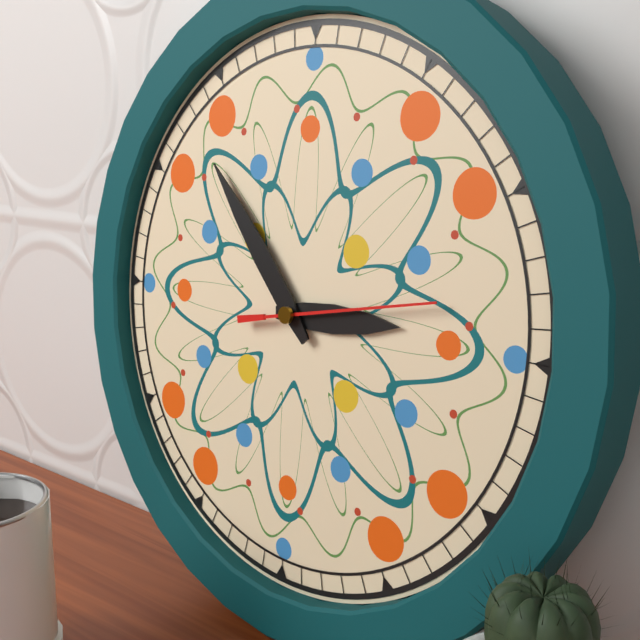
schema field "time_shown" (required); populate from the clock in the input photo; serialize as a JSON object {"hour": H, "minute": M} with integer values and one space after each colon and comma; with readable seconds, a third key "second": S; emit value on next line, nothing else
{"hour": 2, "minute": 53, "second": 13}
